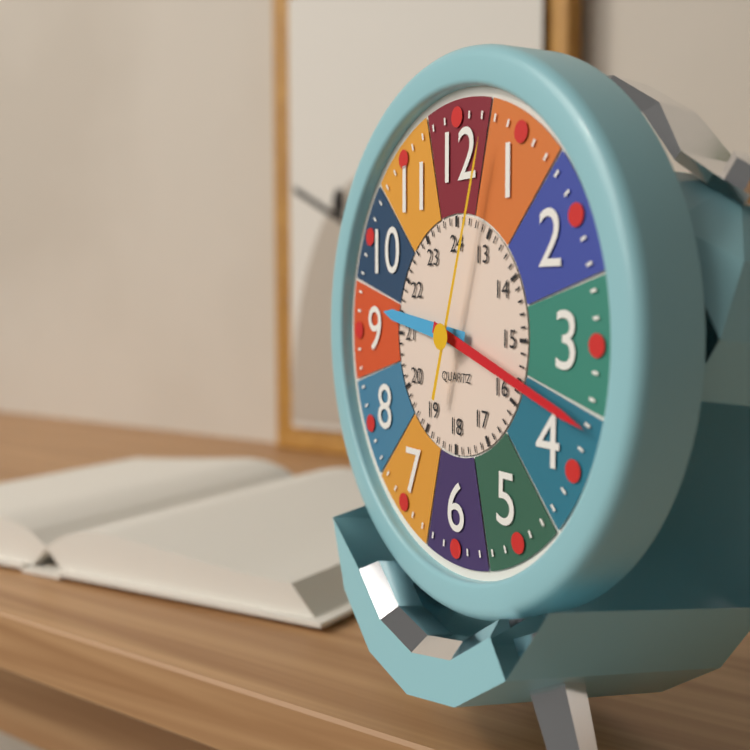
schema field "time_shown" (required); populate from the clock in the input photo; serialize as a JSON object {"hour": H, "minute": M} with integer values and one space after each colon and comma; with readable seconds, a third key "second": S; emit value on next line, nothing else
{"hour": 9, "minute": 18, "second": 3}
